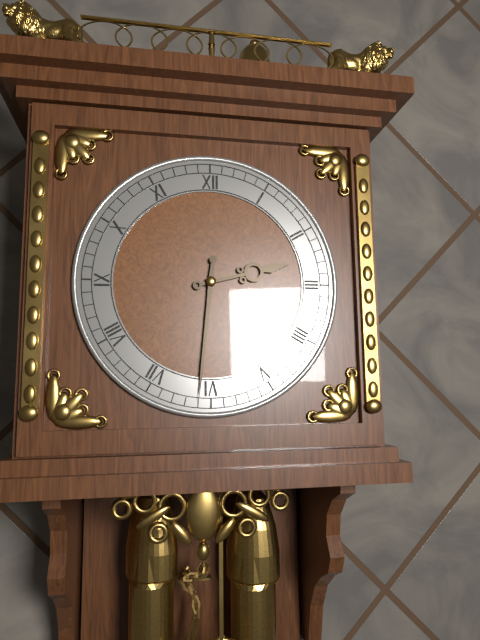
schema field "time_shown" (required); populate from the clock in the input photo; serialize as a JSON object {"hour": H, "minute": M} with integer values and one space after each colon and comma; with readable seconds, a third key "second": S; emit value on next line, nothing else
{"hour": 2, "minute": 31}
